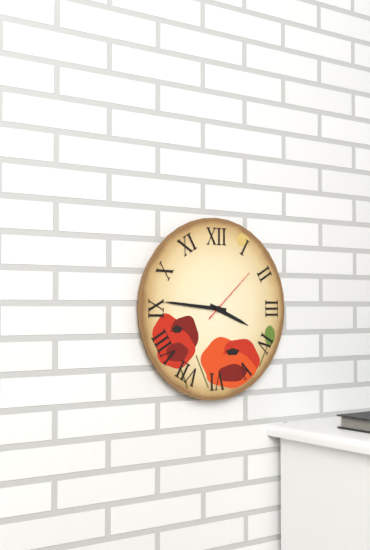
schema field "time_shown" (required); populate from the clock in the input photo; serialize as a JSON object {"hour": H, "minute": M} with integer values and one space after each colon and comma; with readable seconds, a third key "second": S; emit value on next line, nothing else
{"hour": 3, "minute": 46, "second": 8}
